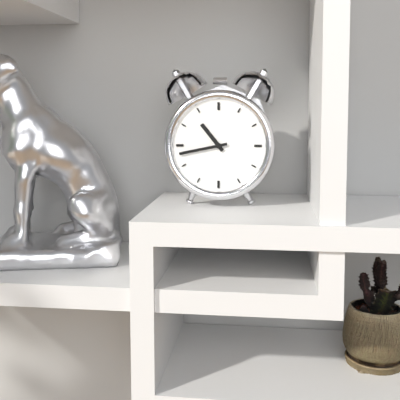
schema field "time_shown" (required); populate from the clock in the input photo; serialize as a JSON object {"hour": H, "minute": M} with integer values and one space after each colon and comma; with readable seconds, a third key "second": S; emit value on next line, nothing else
{"hour": 10, "minute": 43}
